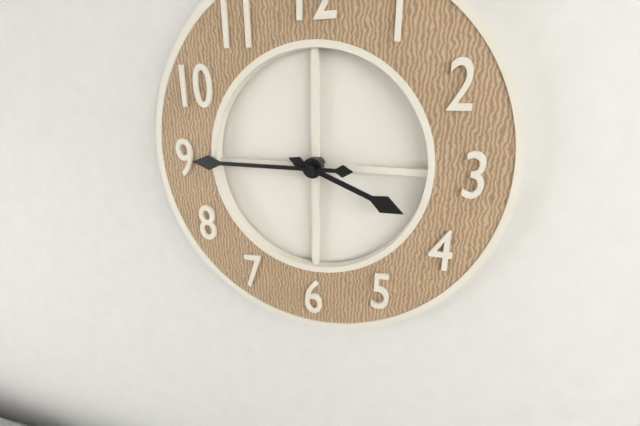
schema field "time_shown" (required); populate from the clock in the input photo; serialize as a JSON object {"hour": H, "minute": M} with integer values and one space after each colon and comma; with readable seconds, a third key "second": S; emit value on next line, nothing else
{"hour": 3, "minute": 45}
